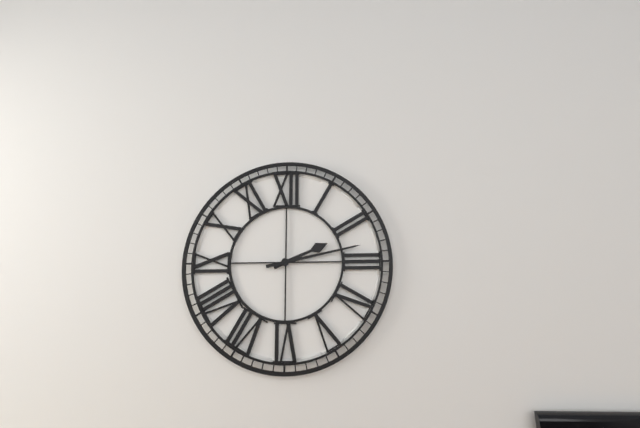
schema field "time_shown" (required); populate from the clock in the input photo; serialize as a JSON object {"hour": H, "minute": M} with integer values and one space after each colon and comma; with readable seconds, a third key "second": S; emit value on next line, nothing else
{"hour": 2, "minute": 13}
